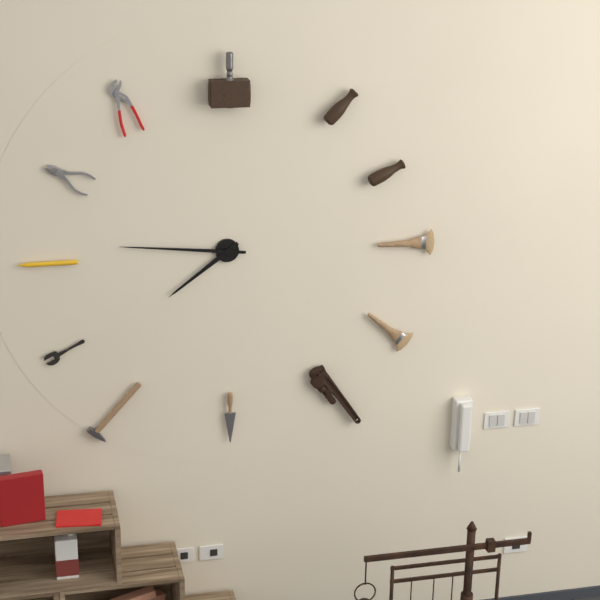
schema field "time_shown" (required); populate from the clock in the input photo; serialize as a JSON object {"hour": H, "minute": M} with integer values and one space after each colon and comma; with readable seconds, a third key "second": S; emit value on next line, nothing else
{"hour": 7, "minute": 46}
